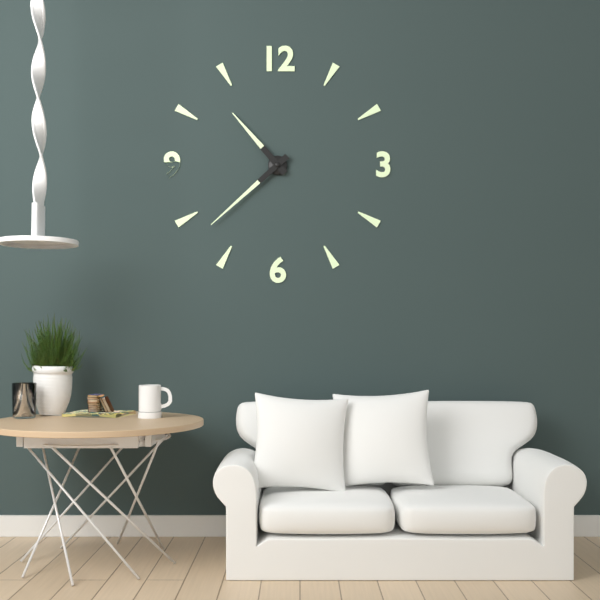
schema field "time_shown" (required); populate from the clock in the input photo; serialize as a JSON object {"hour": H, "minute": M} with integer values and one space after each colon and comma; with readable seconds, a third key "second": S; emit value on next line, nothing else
{"hour": 10, "minute": 38}
